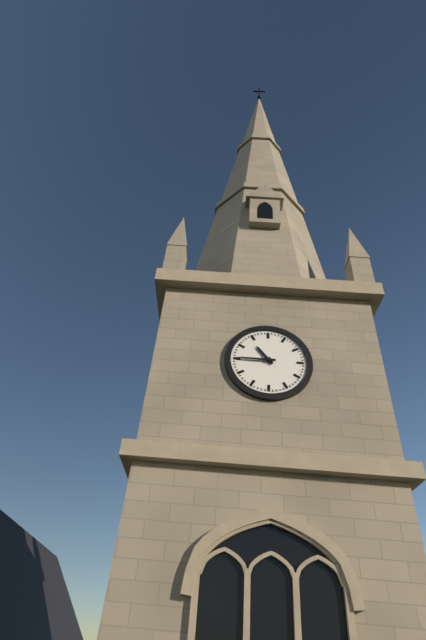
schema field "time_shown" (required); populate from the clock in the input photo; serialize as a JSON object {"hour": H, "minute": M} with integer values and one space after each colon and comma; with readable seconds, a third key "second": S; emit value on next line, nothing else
{"hour": 10, "minute": 45}
